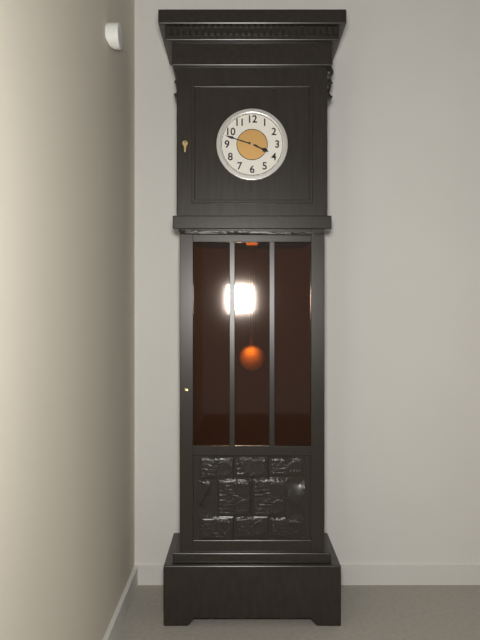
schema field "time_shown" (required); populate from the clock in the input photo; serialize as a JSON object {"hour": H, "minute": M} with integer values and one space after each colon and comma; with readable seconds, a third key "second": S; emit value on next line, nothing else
{"hour": 3, "minute": 48}
